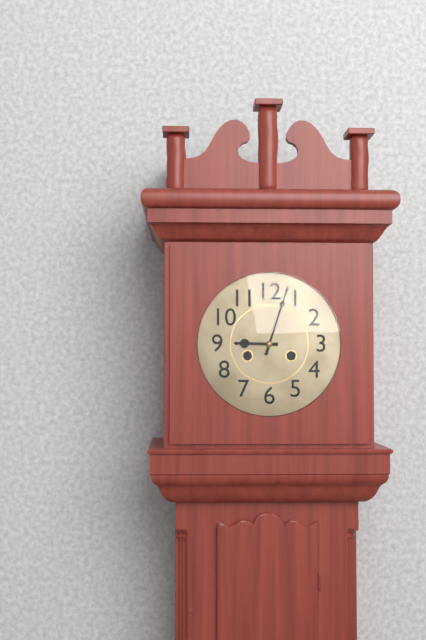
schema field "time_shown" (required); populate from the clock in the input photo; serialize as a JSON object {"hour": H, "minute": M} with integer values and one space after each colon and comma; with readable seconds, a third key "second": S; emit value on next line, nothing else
{"hour": 9, "minute": 3}
